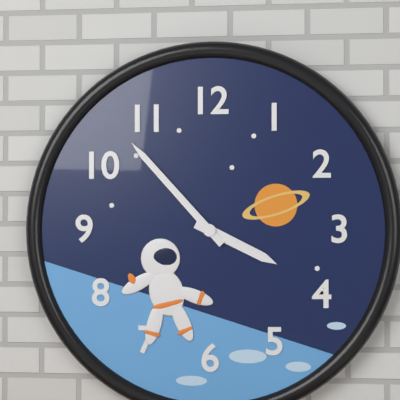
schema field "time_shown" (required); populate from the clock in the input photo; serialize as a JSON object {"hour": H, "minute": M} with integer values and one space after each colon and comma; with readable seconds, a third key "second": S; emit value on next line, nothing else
{"hour": 3, "minute": 53}
